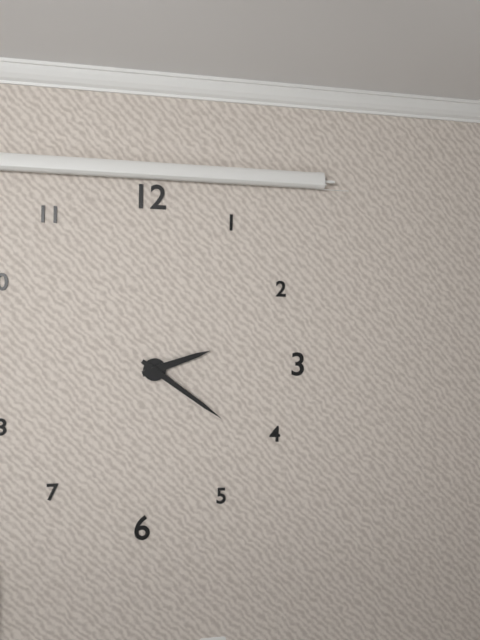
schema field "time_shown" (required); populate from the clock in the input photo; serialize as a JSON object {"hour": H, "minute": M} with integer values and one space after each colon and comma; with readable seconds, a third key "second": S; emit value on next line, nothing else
{"hour": 2, "minute": 21}
